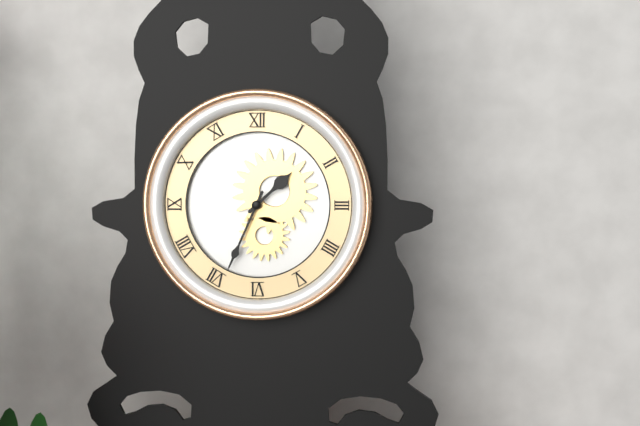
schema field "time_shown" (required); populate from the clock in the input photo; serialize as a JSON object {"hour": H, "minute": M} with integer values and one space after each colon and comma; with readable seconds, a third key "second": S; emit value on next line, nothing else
{"hour": 1, "minute": 34}
